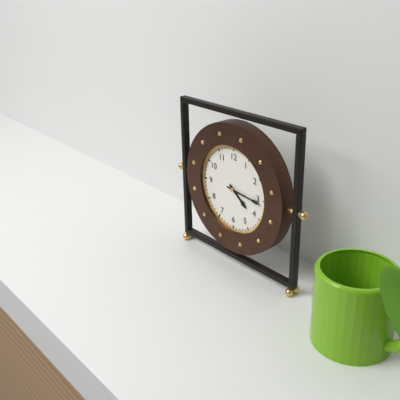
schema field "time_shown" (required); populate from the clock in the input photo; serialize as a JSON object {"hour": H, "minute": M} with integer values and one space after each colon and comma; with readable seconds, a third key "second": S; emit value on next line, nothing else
{"hour": 4, "minute": 16}
